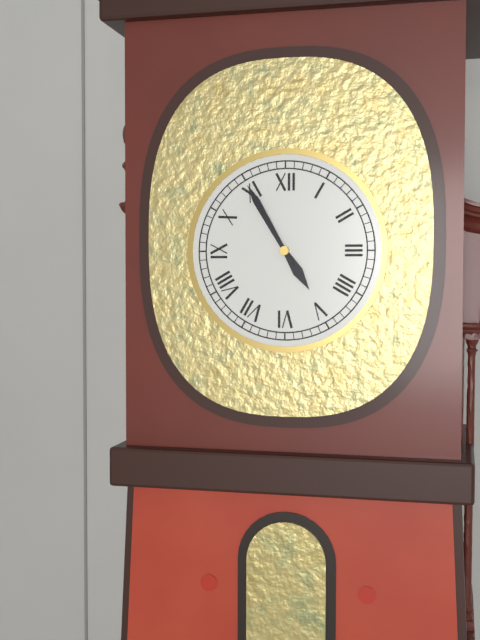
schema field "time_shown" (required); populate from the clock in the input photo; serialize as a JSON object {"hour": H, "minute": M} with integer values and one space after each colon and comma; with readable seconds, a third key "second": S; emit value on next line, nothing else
{"hour": 4, "minute": 55}
